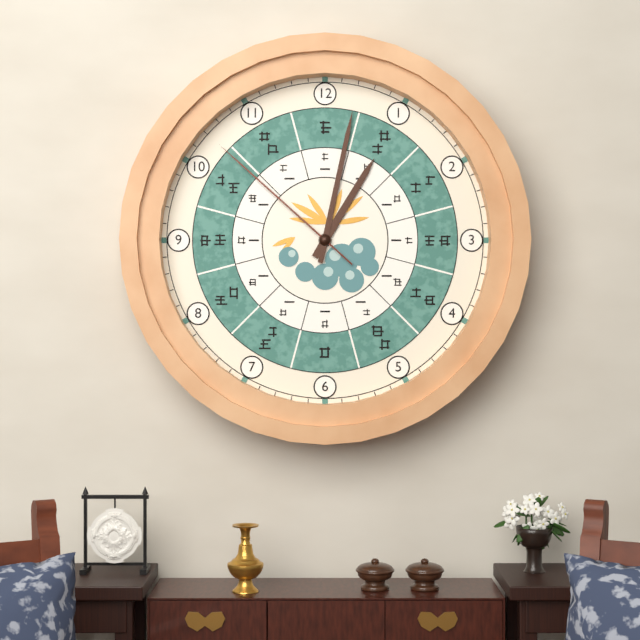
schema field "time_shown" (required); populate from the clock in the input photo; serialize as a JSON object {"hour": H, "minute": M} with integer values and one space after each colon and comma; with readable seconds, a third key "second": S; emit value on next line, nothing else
{"hour": 1, "minute": 2, "second": 52}
